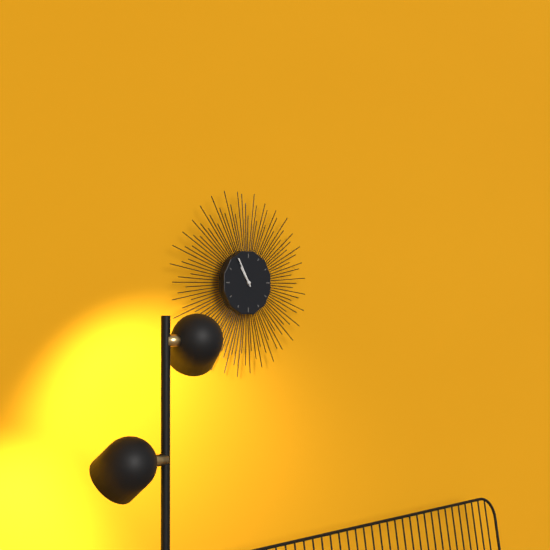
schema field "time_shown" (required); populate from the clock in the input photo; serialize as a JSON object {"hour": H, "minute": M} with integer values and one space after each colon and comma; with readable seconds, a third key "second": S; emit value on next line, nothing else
{"hour": 10, "minute": 55}
